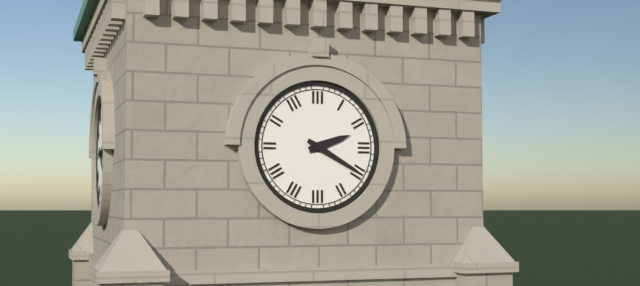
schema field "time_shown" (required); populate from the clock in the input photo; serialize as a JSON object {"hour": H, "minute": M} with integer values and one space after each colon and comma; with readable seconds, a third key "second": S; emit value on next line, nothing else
{"hour": 2, "minute": 20}
